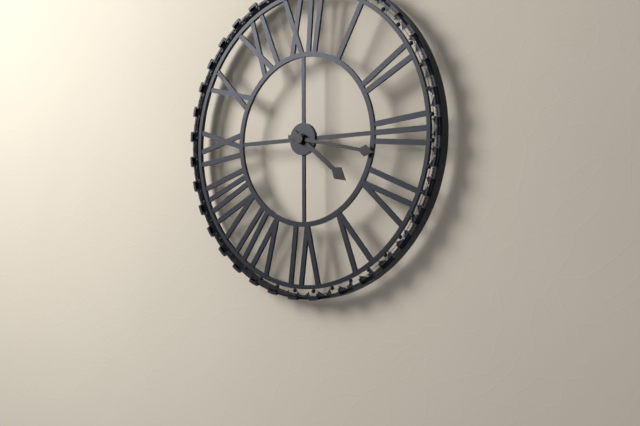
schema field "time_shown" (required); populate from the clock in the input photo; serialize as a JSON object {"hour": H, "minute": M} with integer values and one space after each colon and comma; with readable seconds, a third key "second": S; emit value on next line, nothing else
{"hour": 4, "minute": 17}
